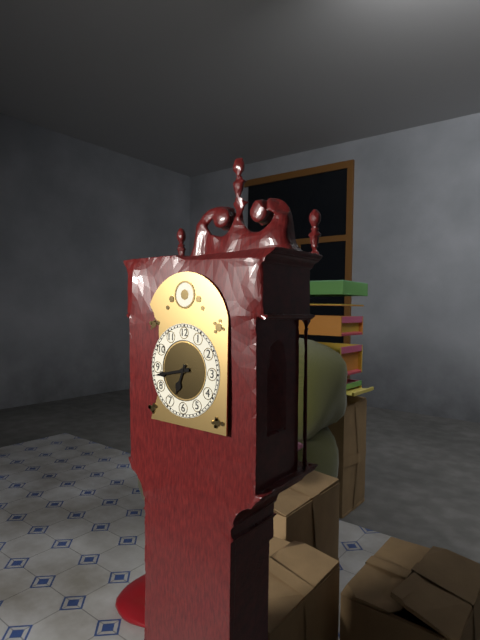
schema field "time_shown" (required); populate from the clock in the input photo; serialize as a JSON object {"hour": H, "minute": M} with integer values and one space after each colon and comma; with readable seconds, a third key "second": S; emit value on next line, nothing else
{"hour": 6, "minute": 43}
